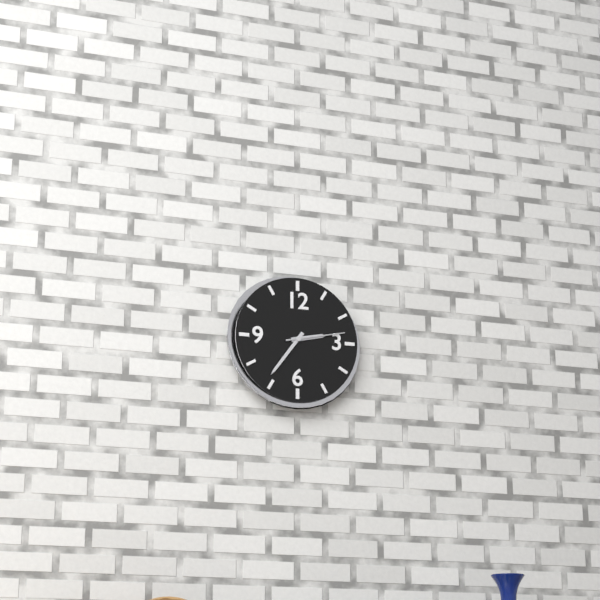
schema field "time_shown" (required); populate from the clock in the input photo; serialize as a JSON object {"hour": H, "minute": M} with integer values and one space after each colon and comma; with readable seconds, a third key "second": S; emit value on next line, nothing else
{"hour": 2, "minute": 36, "second": 13}
